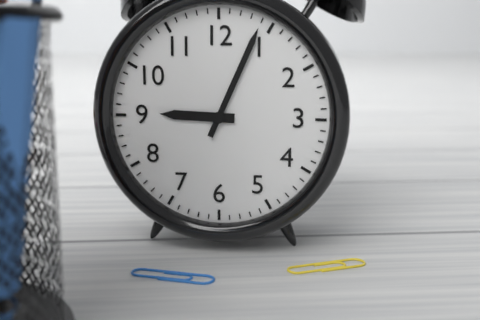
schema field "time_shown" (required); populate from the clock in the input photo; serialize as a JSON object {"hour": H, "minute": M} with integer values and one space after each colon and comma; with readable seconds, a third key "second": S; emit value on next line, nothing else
{"hour": 9, "minute": 4}
